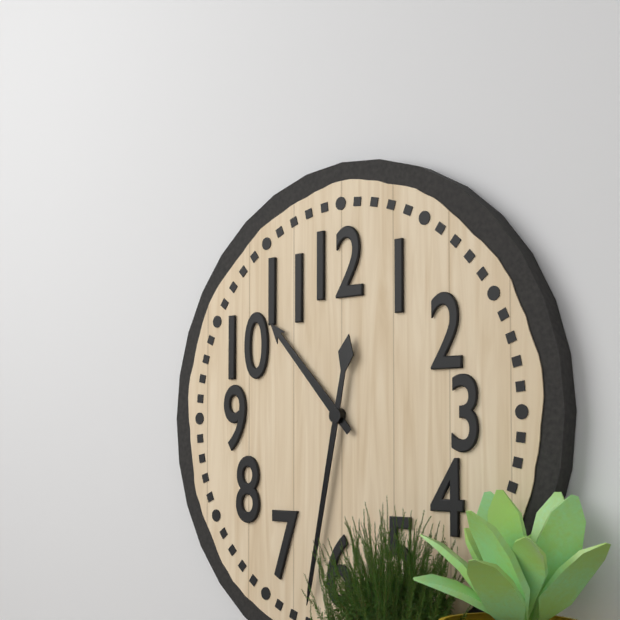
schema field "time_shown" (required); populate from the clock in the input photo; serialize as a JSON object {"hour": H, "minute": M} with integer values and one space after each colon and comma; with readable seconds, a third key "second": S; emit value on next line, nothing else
{"hour": 10, "minute": 32}
